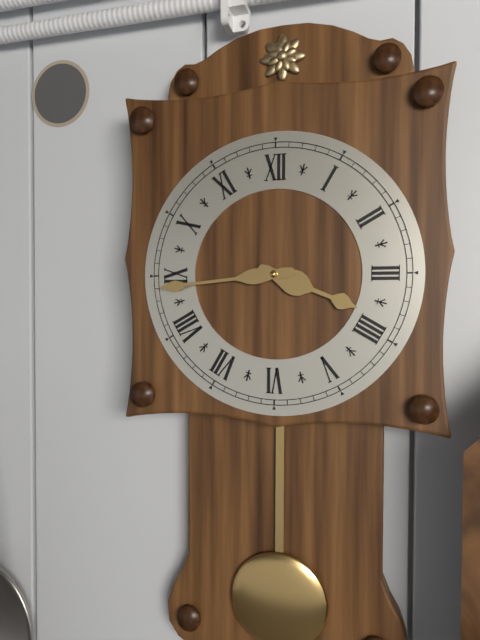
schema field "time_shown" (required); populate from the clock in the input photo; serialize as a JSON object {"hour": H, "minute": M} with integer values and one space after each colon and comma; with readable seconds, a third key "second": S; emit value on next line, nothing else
{"hour": 3, "minute": 44}
